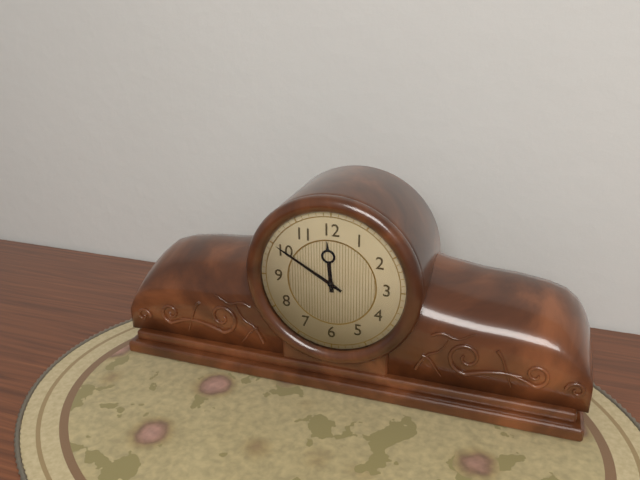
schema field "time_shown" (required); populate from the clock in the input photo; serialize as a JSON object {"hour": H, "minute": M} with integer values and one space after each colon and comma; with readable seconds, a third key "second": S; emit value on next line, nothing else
{"hour": 11, "minute": 50}
